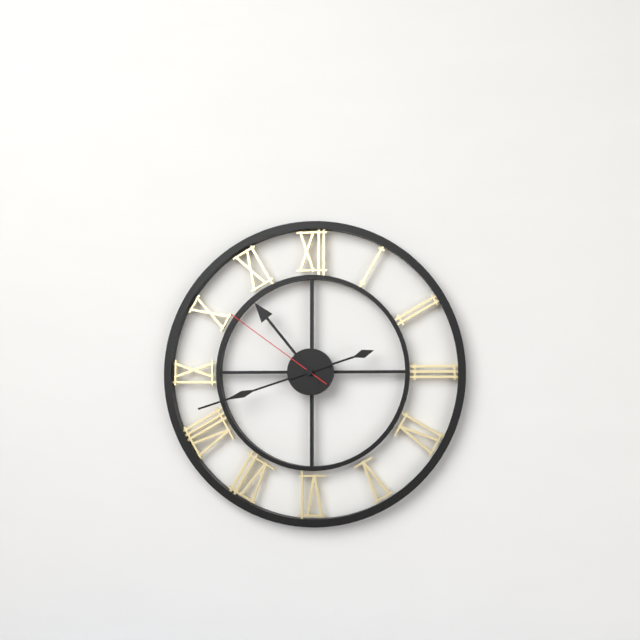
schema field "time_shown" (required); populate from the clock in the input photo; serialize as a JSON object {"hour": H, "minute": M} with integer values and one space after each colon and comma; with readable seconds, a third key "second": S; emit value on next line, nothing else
{"hour": 10, "minute": 42, "second": 51}
